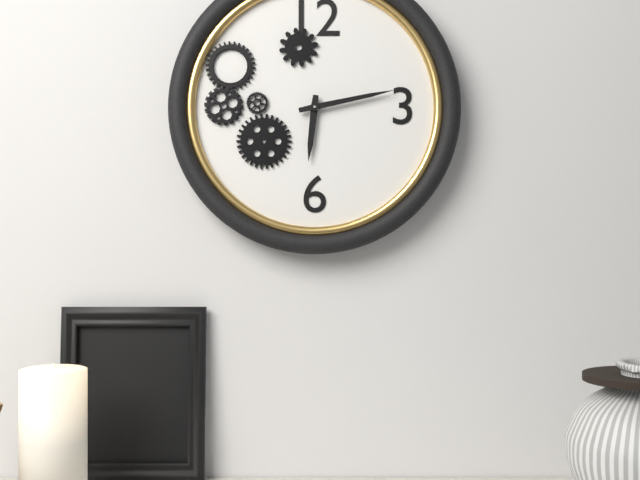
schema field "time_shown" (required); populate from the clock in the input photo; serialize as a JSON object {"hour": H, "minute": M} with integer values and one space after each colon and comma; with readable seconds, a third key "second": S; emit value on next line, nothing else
{"hour": 6, "minute": 13}
